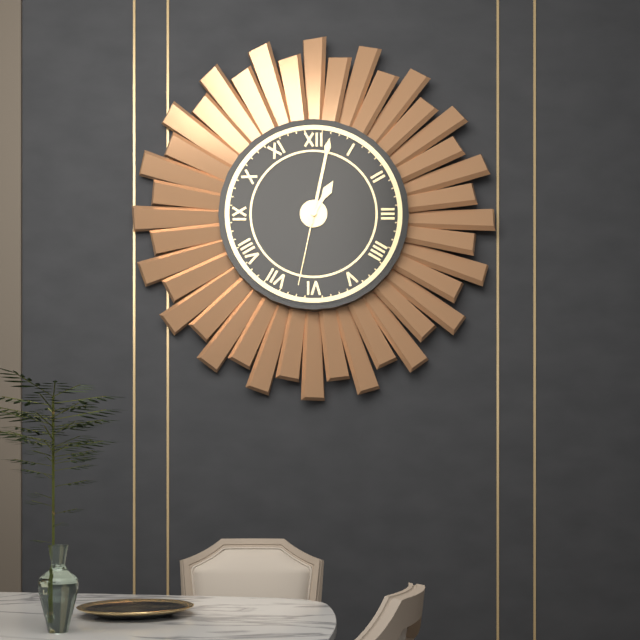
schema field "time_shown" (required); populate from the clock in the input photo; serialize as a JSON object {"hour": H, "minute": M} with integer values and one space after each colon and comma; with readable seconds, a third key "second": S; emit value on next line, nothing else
{"hour": 1, "minute": 2, "second": 32}
